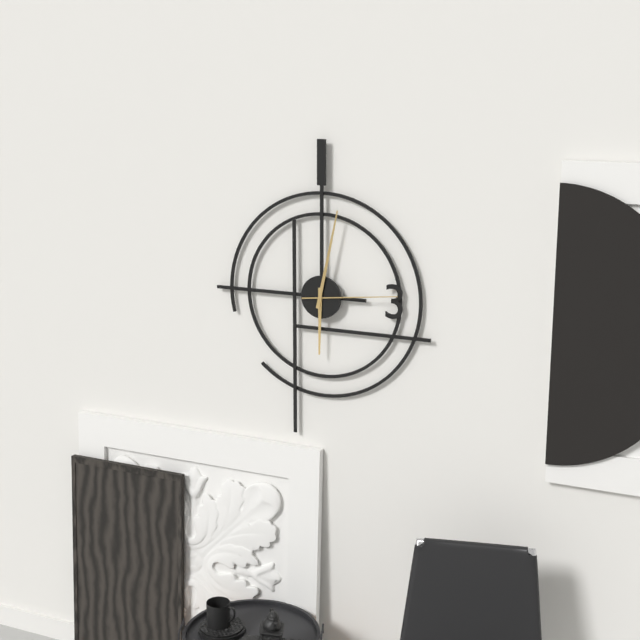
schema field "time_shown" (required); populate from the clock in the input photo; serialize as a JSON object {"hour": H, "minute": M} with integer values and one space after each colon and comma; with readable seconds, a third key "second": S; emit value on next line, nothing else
{"hour": 6, "minute": 2, "second": 14}
